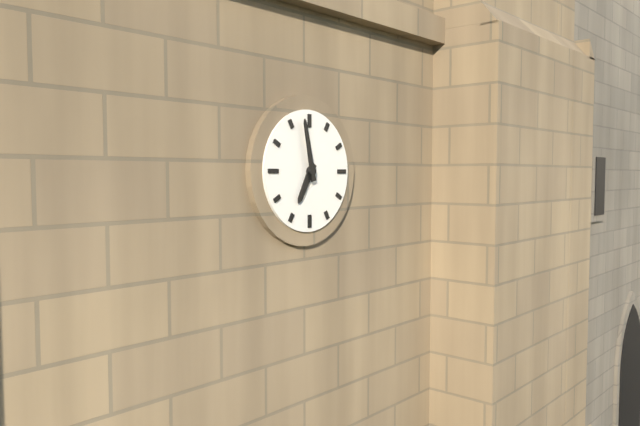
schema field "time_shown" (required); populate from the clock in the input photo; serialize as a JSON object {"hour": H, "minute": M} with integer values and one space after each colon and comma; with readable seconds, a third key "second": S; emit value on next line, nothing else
{"hour": 6, "minute": 58}
